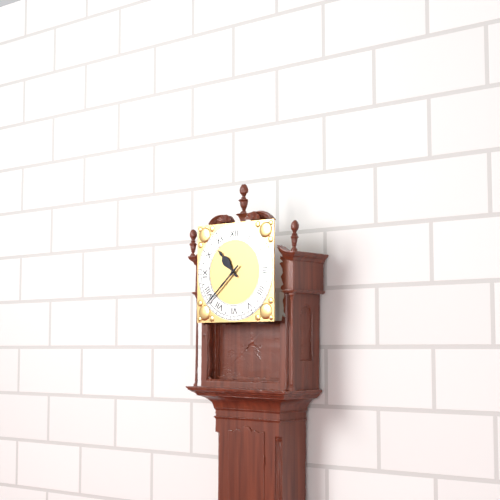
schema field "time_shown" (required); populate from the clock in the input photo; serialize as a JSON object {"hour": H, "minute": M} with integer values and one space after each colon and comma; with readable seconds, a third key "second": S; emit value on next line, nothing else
{"hour": 10, "minute": 38}
